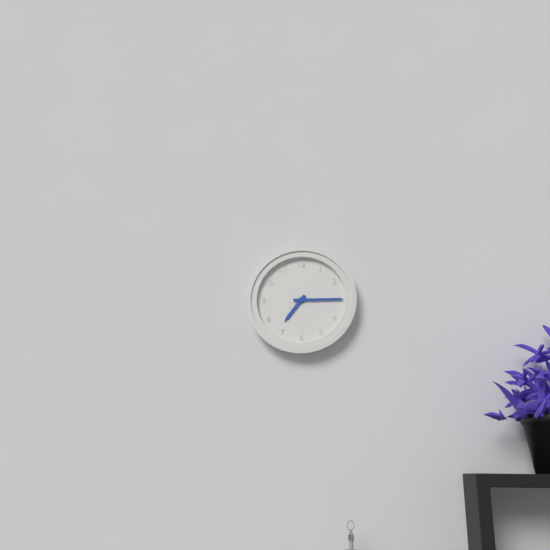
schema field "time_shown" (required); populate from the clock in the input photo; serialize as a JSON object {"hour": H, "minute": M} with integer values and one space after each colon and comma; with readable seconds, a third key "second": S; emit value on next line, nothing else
{"hour": 7, "minute": 15}
